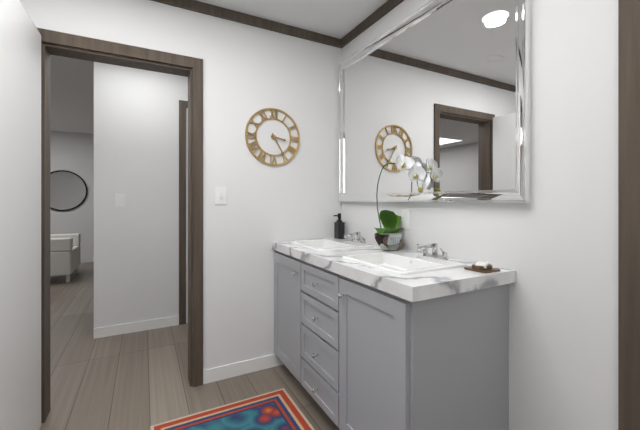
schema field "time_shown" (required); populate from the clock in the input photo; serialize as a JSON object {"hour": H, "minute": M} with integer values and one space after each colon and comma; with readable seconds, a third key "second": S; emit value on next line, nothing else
{"hour": 3, "minute": 25}
